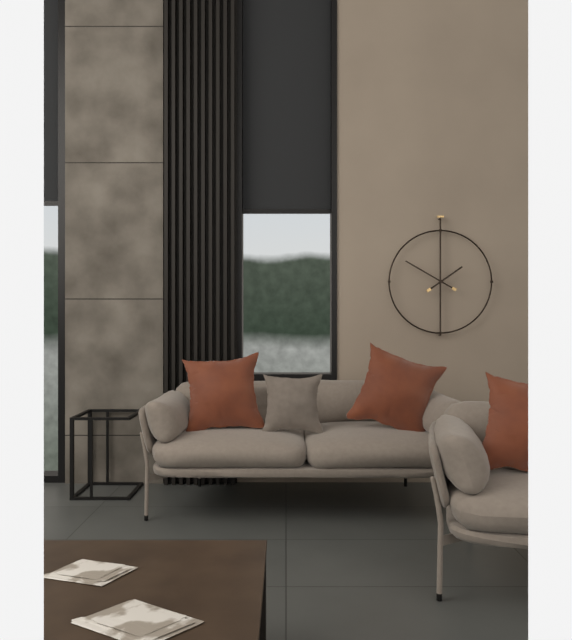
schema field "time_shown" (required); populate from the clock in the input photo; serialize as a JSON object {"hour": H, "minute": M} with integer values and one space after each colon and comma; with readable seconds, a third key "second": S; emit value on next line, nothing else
{"hour": 1, "minute": 50}
